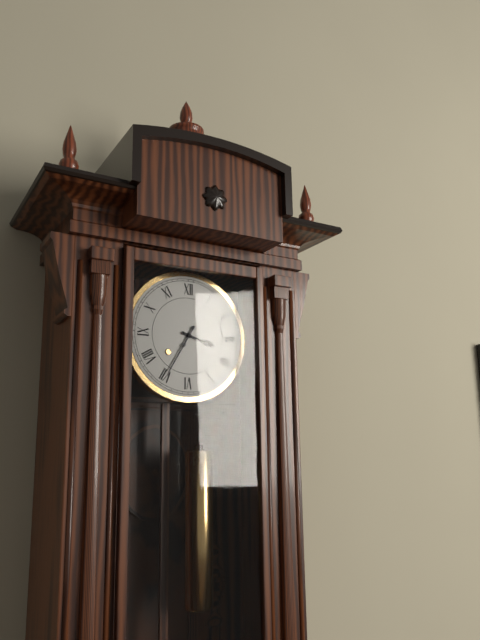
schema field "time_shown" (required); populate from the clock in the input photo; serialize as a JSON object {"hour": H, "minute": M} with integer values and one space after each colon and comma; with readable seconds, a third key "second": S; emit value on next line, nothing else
{"hour": 3, "minute": 35}
